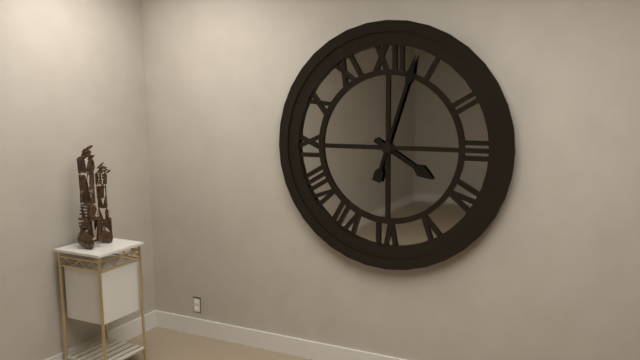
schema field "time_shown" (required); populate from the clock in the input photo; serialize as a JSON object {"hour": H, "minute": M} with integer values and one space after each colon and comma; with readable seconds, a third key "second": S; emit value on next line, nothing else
{"hour": 4, "minute": 3}
